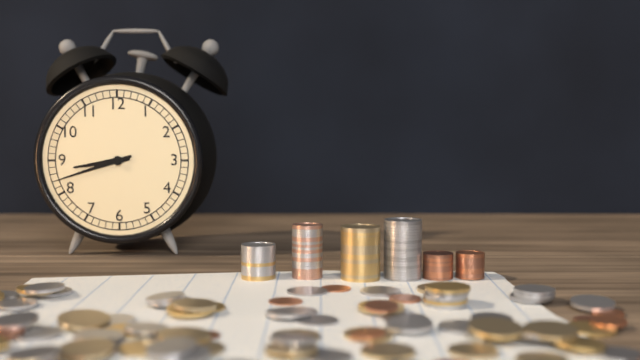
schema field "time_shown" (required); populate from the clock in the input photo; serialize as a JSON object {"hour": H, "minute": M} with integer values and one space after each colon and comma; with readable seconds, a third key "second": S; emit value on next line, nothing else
{"hour": 8, "minute": 42}
